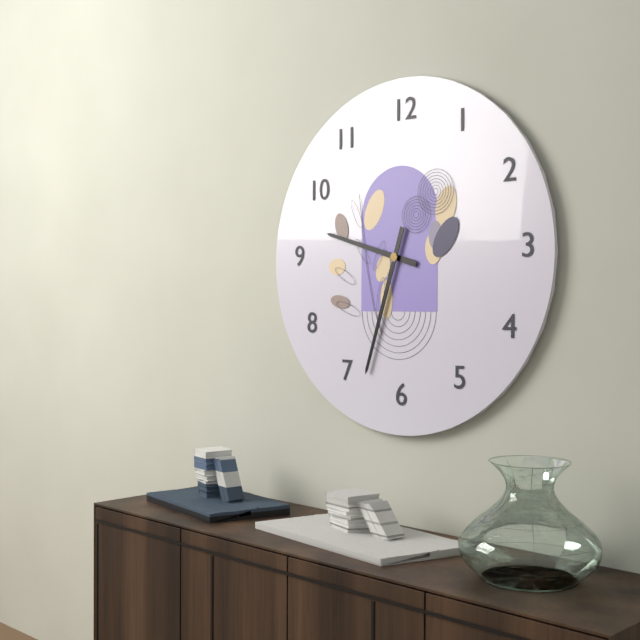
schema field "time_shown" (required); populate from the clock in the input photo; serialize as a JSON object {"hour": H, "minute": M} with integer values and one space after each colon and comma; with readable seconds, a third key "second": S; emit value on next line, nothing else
{"hour": 9, "minute": 33}
